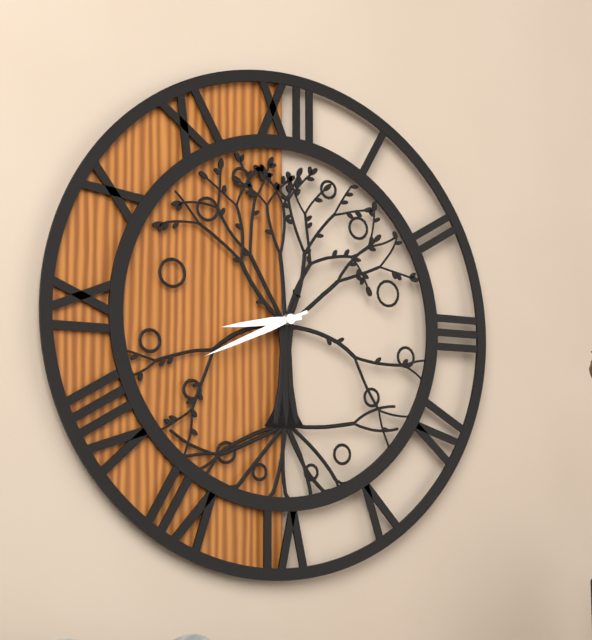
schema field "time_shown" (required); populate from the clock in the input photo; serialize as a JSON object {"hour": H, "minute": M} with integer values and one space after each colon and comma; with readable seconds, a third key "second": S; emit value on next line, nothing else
{"hour": 8, "minute": 41}
